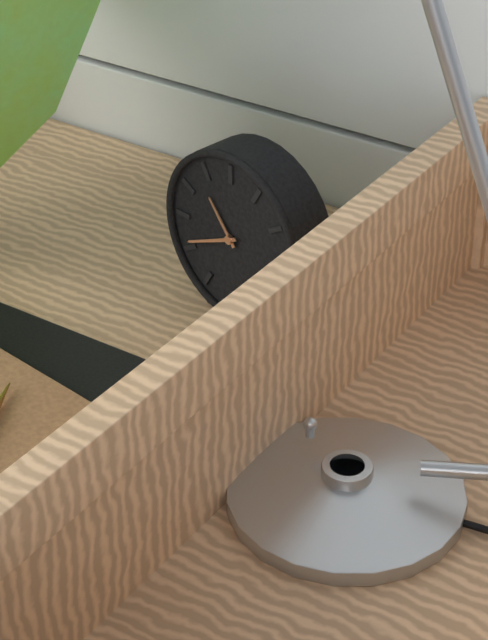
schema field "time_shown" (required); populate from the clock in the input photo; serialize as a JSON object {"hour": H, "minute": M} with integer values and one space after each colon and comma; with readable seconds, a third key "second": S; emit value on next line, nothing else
{"hour": 10, "minute": 41}
